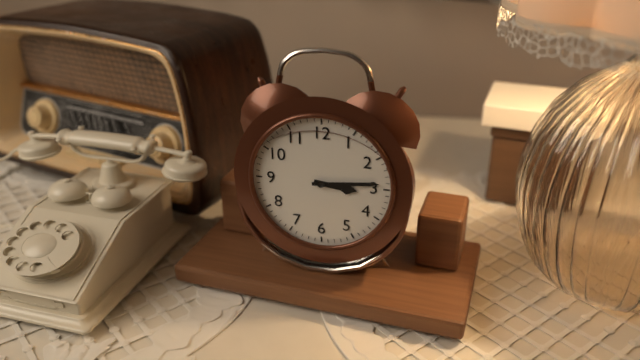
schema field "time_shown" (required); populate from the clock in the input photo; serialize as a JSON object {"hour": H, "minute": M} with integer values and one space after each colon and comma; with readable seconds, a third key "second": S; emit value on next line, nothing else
{"hour": 3, "minute": 14}
